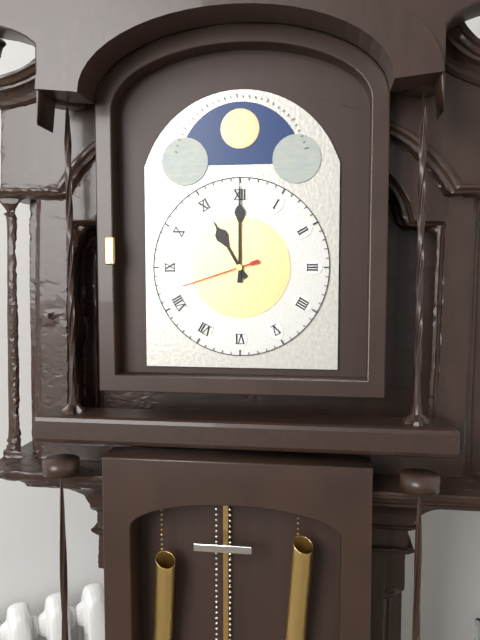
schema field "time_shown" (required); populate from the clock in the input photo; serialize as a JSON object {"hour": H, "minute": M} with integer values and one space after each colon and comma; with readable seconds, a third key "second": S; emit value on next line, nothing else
{"hour": 11, "minute": 0, "second": 42}
